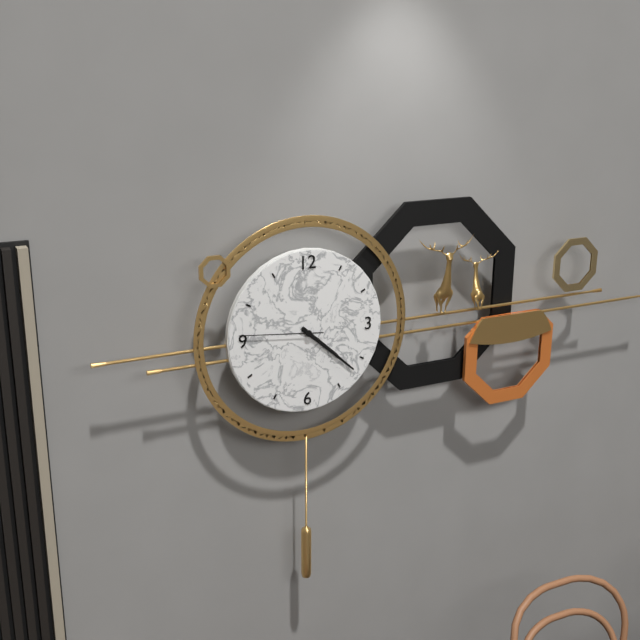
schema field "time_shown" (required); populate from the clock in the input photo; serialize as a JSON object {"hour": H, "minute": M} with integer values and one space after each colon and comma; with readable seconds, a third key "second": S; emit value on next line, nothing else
{"hour": 4, "minute": 22, "second": 46}
